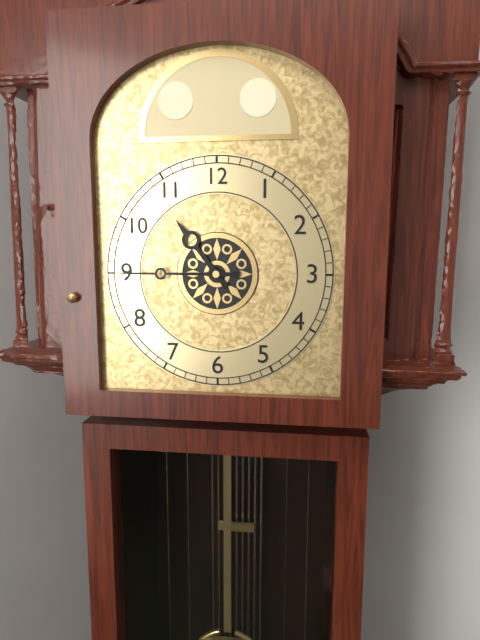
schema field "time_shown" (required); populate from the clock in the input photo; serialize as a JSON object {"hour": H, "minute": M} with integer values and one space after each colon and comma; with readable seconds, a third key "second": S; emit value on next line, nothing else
{"hour": 10, "minute": 45}
